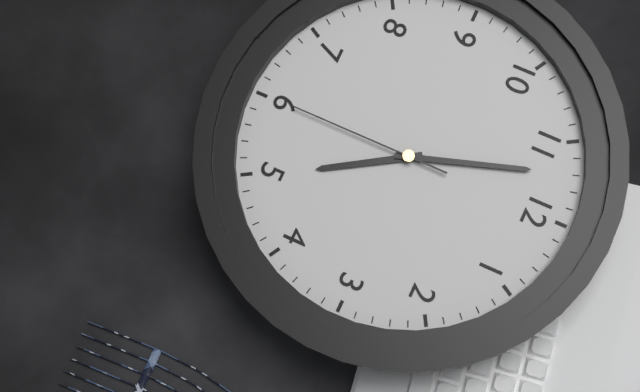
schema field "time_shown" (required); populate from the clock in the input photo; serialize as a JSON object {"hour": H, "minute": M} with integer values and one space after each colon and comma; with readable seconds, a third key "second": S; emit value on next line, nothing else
{"hour": 4, "minute": 57, "second": 30}
